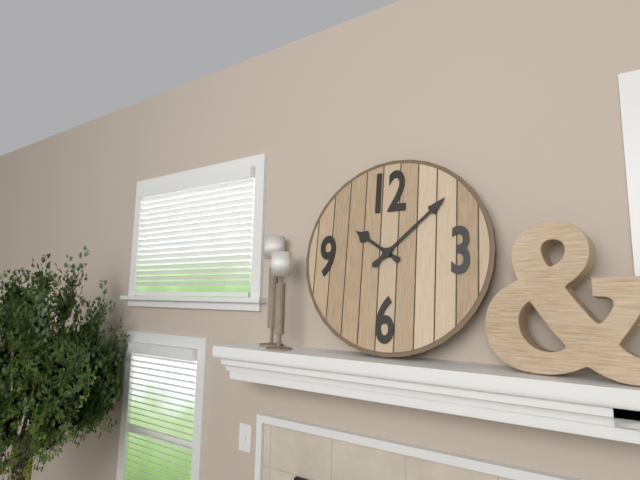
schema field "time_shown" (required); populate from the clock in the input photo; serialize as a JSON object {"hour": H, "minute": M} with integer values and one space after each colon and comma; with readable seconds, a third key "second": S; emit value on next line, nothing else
{"hour": 10, "minute": 8}
